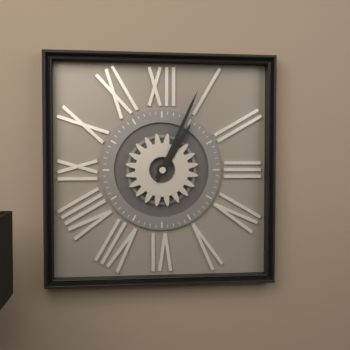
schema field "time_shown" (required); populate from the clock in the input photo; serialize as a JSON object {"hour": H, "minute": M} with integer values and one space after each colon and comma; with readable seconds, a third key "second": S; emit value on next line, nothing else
{"hour": 1, "minute": 4}
